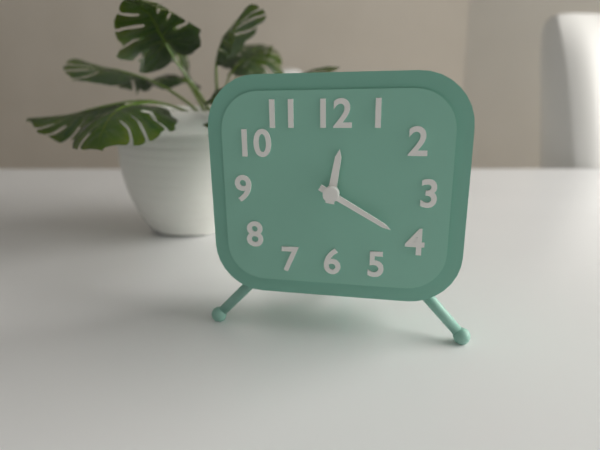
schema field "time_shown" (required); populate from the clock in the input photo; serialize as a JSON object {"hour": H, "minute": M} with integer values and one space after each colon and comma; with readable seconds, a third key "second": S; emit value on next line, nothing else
{"hour": 12, "minute": 20}
